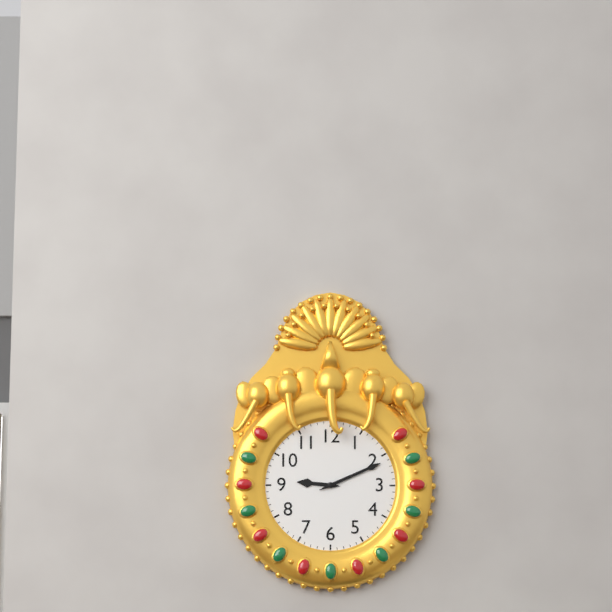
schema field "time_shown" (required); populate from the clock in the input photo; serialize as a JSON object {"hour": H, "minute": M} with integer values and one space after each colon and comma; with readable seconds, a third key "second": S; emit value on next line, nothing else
{"hour": 9, "minute": 11}
